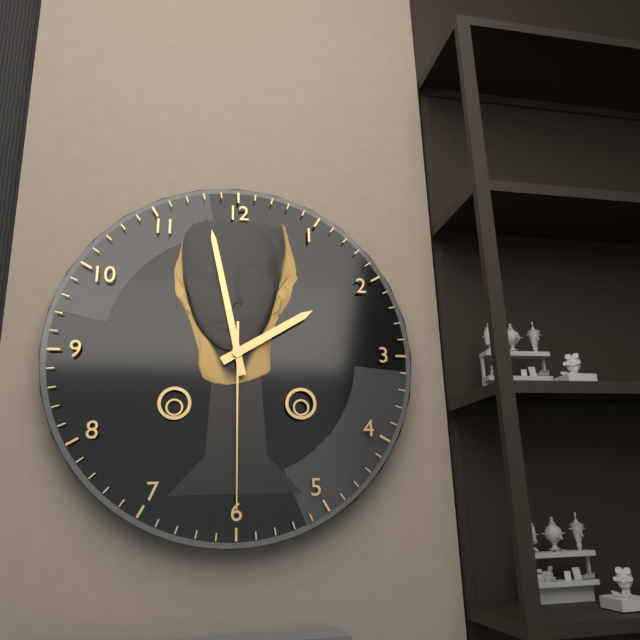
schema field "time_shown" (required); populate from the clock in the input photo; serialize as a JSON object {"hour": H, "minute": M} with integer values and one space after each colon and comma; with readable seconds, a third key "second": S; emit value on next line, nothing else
{"hour": 1, "minute": 58, "second": 30}
